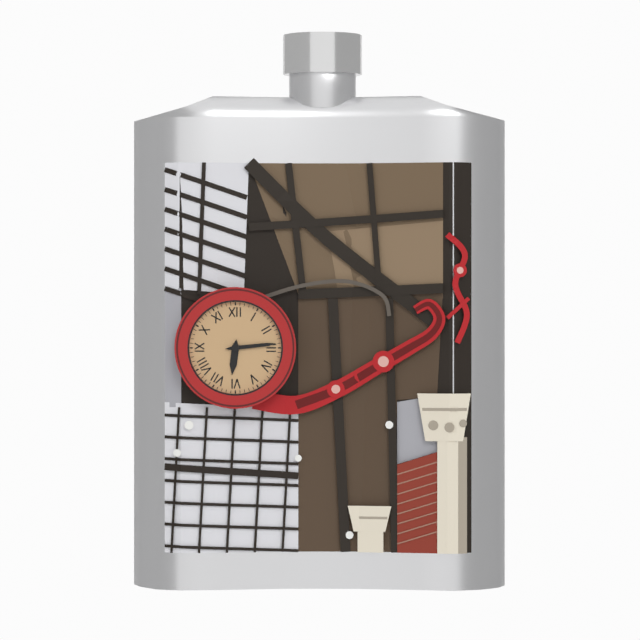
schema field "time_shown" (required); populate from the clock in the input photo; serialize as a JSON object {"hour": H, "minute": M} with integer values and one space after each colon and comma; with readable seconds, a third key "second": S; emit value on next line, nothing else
{"hour": 6, "minute": 14}
